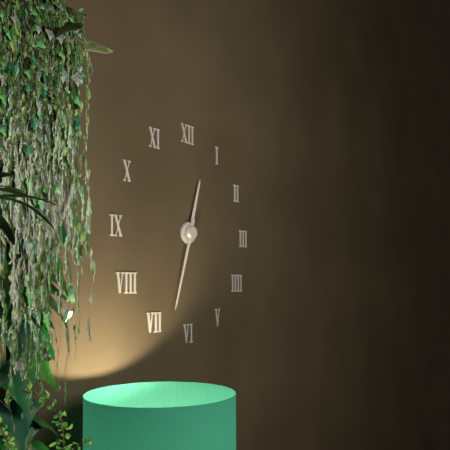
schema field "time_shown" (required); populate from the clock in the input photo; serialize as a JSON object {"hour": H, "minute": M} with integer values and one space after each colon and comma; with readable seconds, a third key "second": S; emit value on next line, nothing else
{"hour": 12, "minute": 33}
